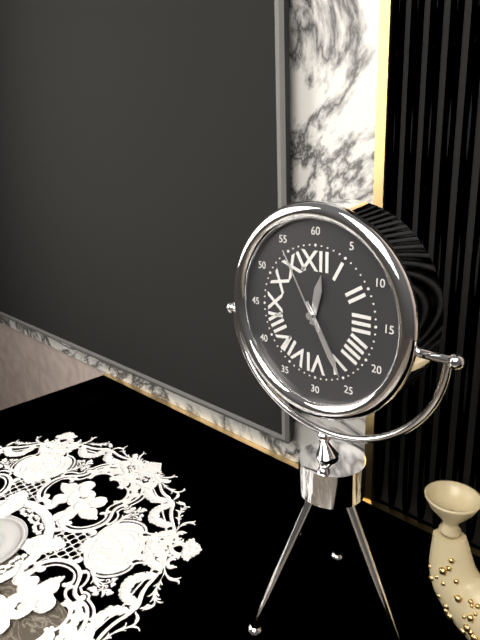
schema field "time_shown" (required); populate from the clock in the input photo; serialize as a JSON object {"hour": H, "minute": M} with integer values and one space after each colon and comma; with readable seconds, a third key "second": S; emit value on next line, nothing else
{"hour": 12, "minute": 25, "second": 55}
